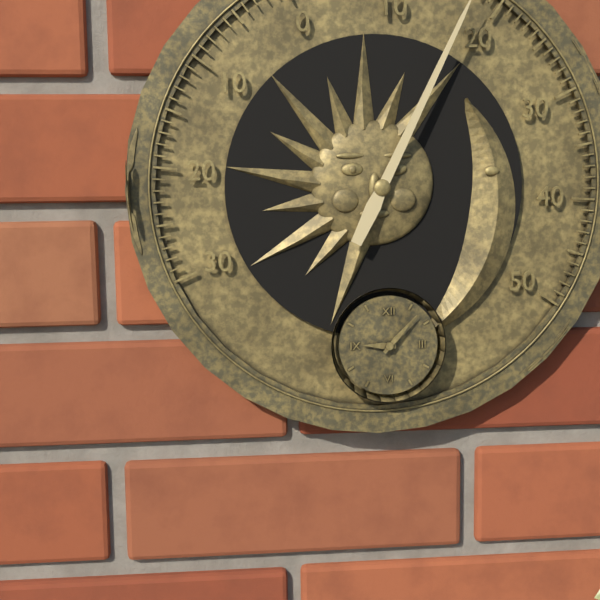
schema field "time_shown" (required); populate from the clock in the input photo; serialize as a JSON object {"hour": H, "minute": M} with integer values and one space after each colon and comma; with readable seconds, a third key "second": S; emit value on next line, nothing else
{"hour": 9, "minute": 7}
